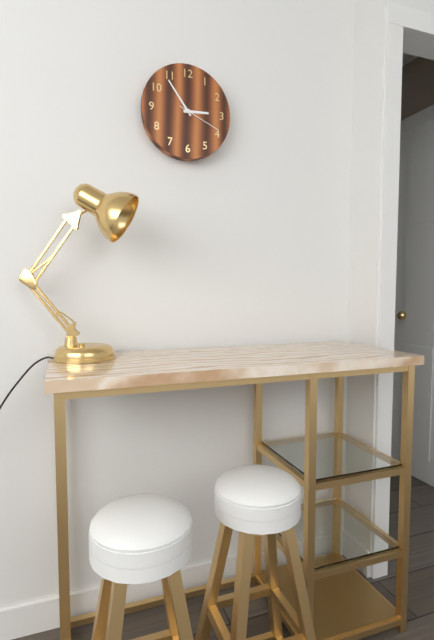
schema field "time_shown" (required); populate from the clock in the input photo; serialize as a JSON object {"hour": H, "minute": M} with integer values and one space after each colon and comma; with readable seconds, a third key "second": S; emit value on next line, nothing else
{"hour": 2, "minute": 54}
